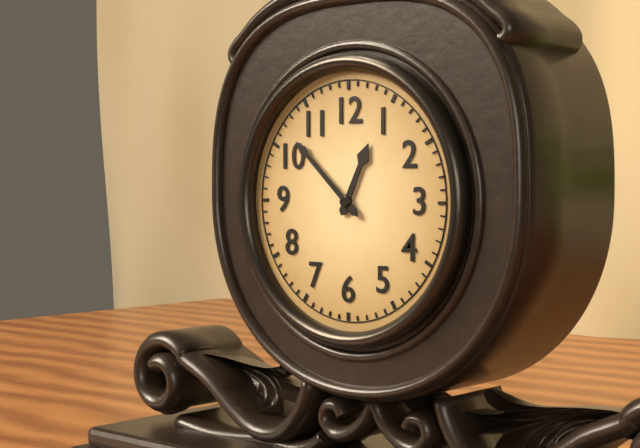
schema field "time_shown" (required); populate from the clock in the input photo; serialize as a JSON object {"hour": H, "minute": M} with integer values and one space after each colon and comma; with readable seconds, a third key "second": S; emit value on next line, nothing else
{"hour": 12, "minute": 52}
